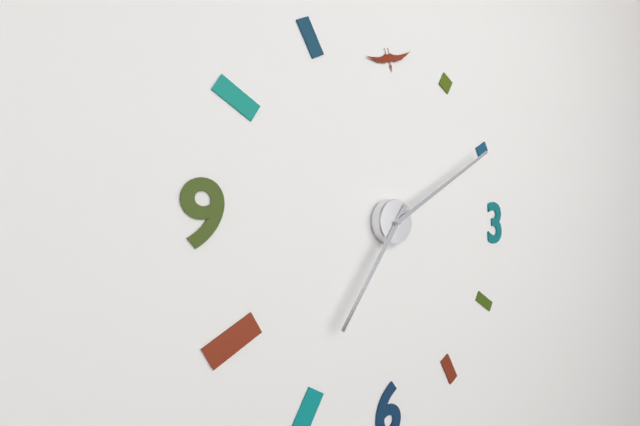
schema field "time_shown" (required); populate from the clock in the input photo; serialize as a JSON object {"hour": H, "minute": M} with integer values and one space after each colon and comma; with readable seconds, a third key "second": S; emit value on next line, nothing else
{"hour": 7, "minute": 10}
